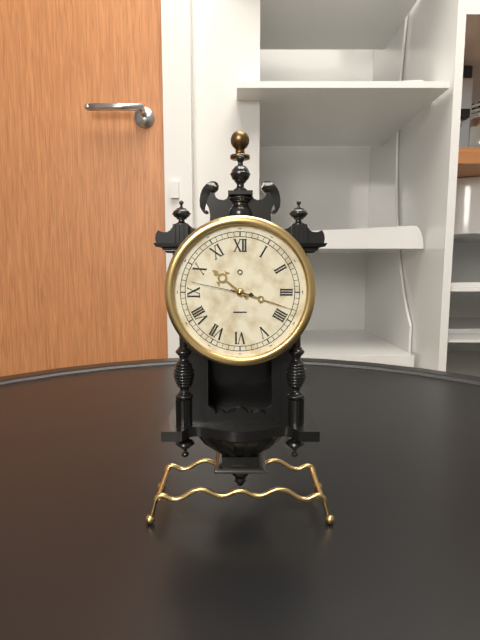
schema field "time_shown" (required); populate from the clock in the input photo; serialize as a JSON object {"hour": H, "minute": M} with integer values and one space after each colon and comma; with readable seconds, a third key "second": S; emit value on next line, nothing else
{"hour": 10, "minute": 18, "second": 47}
